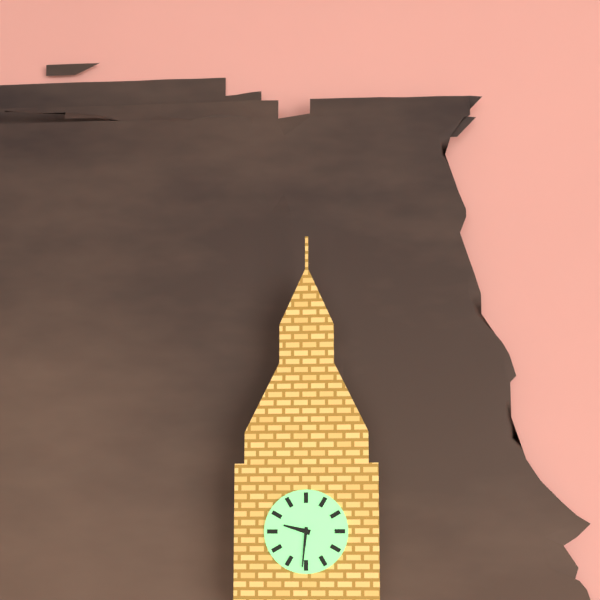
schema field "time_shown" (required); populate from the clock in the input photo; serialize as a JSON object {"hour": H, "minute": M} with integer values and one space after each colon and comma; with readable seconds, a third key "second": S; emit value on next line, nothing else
{"hour": 9, "minute": 31}
